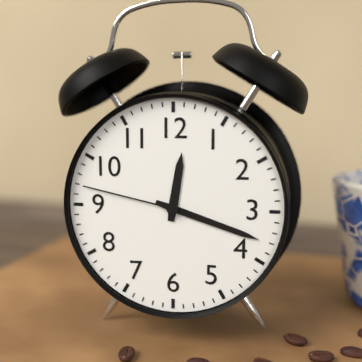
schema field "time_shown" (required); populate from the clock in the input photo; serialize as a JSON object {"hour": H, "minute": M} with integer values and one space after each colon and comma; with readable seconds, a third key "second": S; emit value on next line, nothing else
{"hour": 12, "minute": 18, "second": 47}
